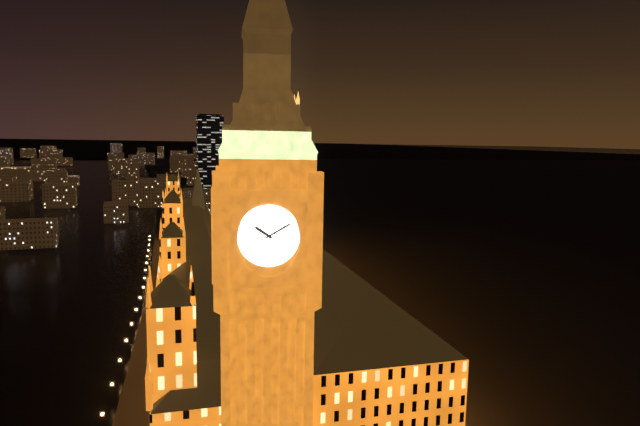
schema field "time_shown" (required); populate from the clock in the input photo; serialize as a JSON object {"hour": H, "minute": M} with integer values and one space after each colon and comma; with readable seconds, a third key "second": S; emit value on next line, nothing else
{"hour": 10, "minute": 10}
